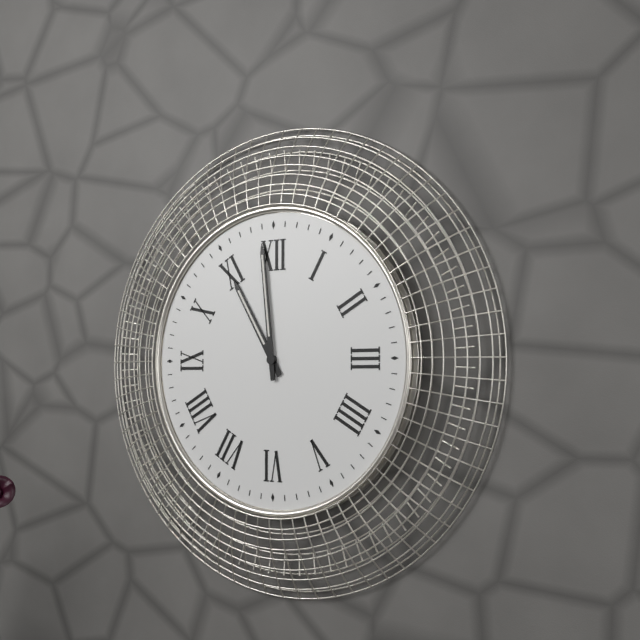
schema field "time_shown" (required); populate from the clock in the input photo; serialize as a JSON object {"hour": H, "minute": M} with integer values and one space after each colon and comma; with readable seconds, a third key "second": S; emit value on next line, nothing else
{"hour": 10, "minute": 59}
